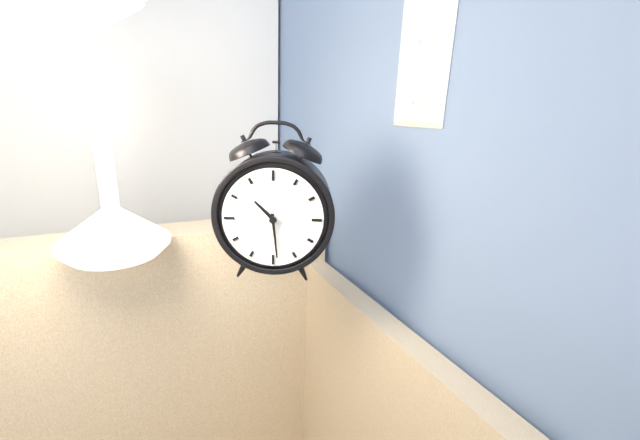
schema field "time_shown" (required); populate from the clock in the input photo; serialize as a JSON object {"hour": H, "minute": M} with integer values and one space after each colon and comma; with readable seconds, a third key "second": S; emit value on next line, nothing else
{"hour": 10, "minute": 29}
